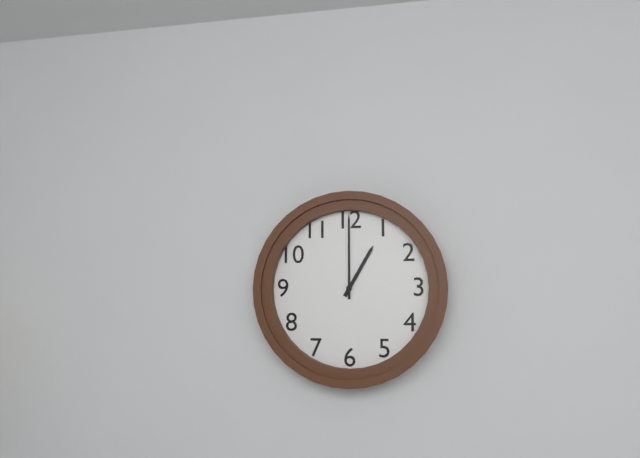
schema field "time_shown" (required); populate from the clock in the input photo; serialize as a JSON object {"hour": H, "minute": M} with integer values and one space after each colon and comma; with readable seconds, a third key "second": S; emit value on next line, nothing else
{"hour": 1, "minute": 0}
